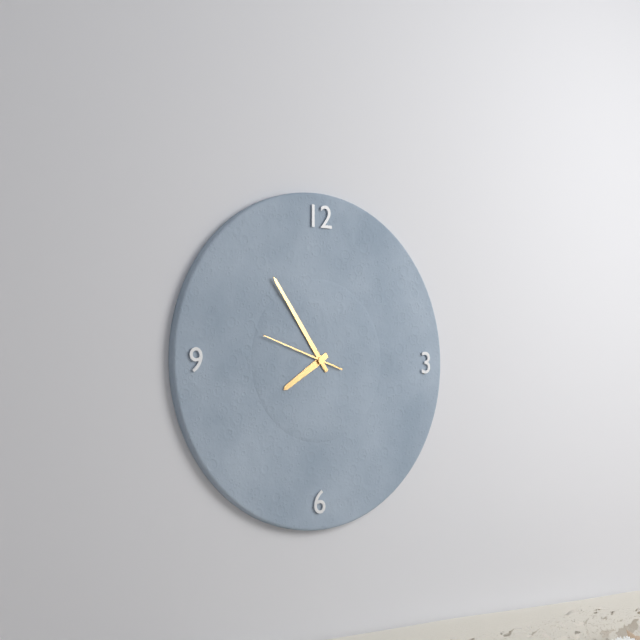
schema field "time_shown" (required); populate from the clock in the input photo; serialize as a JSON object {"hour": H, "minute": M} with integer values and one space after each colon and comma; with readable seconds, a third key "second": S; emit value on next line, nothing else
{"hour": 7, "minute": 54, "second": 48}
